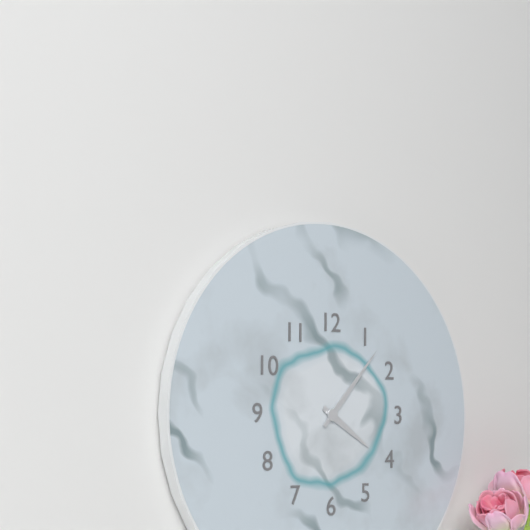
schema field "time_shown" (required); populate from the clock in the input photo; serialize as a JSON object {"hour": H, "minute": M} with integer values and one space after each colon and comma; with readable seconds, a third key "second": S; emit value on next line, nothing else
{"hour": 4, "minute": 7}
